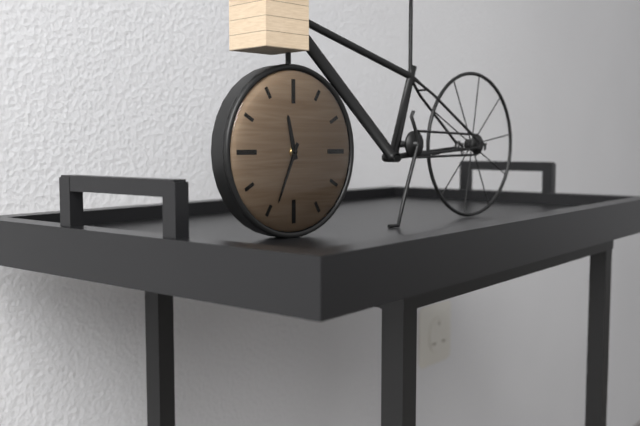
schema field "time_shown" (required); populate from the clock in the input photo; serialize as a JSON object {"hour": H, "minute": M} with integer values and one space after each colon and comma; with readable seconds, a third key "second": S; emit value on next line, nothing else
{"hour": 11, "minute": 34}
